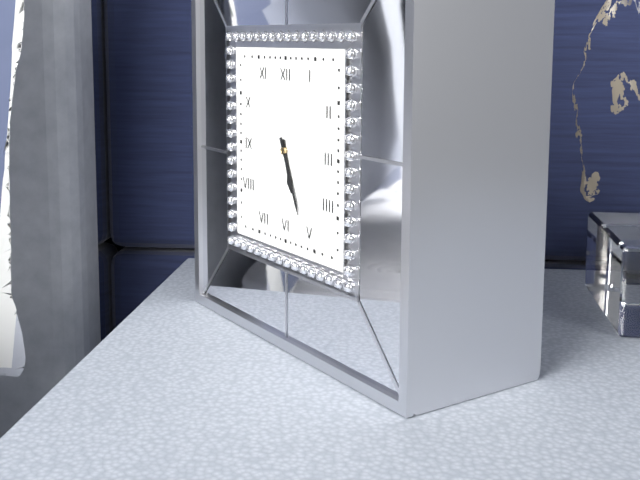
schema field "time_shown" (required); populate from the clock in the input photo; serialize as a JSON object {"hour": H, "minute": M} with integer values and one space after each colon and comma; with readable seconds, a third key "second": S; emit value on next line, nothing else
{"hour": 5, "minute": 26}
